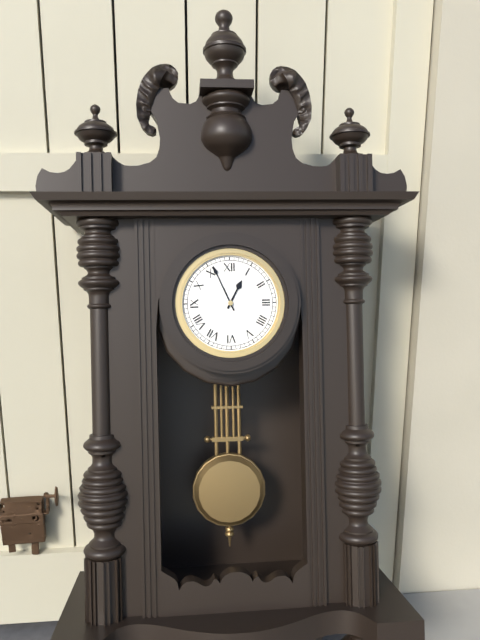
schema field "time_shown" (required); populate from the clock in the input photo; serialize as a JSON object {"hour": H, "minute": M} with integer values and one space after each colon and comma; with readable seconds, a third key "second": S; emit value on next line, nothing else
{"hour": 12, "minute": 56}
